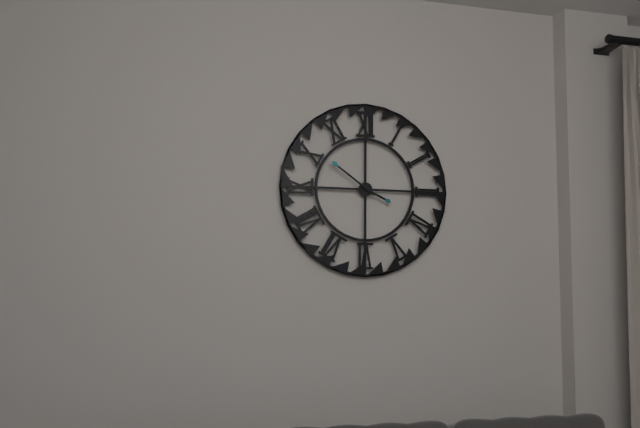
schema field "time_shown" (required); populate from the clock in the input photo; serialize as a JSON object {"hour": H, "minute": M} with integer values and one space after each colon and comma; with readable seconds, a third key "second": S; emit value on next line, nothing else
{"hour": 3, "minute": 51}
